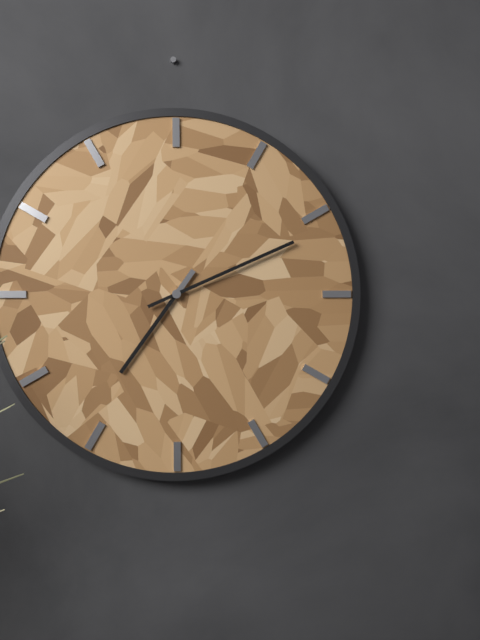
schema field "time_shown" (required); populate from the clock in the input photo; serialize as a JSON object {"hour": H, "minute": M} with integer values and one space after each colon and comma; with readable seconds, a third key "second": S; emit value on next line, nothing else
{"hour": 7, "minute": 11}
